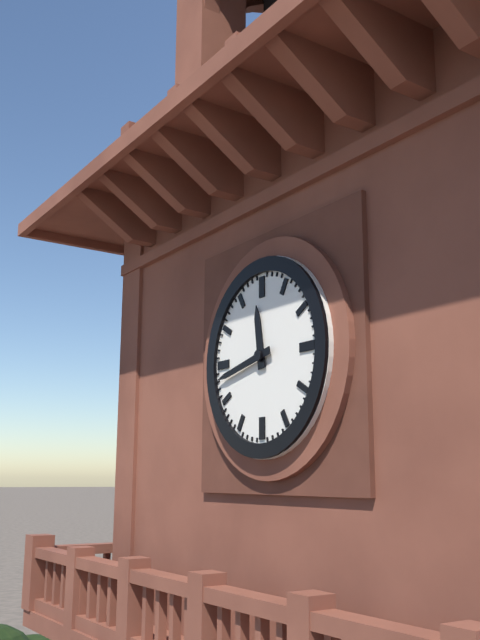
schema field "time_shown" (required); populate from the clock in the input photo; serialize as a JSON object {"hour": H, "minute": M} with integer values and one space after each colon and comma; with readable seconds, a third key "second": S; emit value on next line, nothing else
{"hour": 11, "minute": 43}
